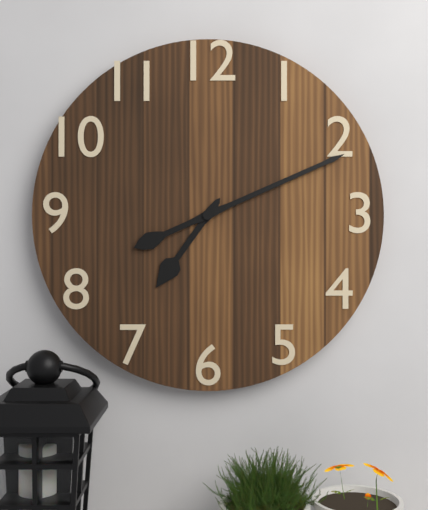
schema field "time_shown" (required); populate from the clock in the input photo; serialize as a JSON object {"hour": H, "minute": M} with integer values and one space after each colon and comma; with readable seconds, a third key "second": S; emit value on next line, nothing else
{"hour": 7, "minute": 11}
